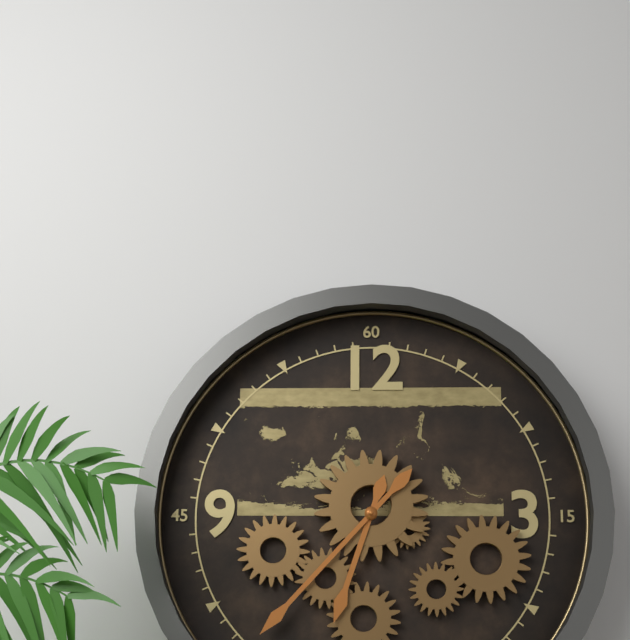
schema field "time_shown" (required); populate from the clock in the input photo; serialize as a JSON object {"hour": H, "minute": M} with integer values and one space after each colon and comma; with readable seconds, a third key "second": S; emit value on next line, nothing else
{"hour": 6, "minute": 37}
